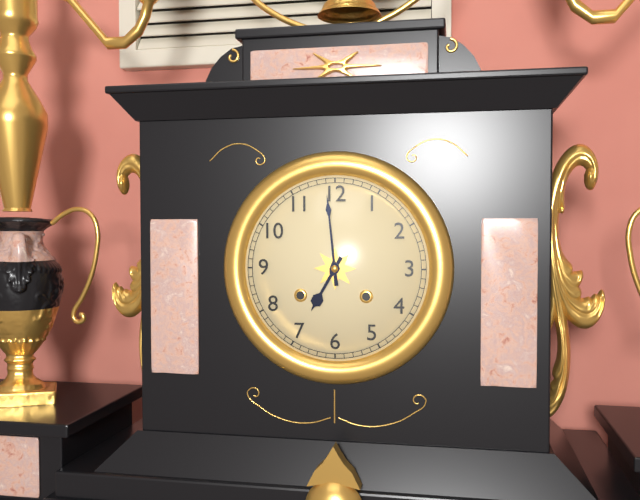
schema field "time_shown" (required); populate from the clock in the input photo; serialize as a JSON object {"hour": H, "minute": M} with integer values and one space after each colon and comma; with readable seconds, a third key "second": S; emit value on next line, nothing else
{"hour": 6, "minute": 59}
